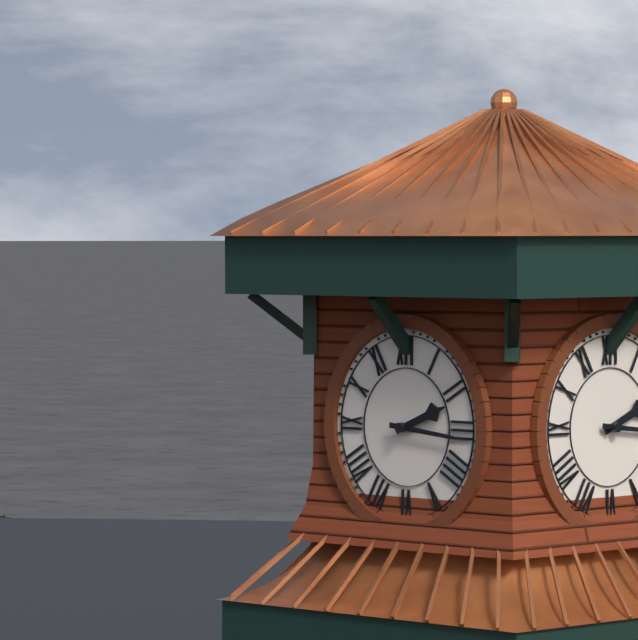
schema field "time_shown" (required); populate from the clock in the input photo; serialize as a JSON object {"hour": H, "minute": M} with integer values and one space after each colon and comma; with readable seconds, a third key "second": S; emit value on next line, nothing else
{"hour": 2, "minute": 16}
